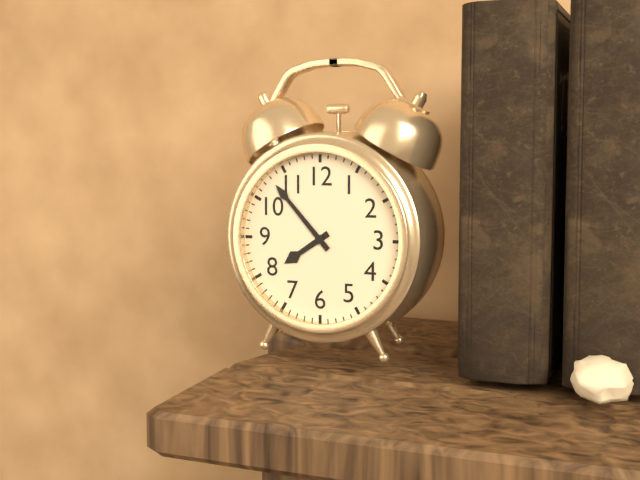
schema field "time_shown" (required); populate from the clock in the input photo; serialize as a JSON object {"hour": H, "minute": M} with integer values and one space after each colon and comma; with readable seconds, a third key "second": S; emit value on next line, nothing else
{"hour": 7, "minute": 53}
